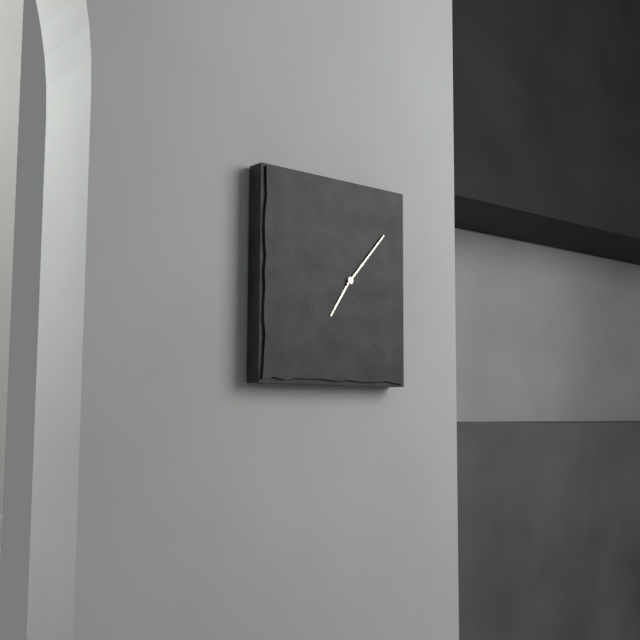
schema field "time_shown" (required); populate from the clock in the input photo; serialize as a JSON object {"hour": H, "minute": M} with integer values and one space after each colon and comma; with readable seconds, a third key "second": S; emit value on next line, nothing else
{"hour": 7, "minute": 7}
